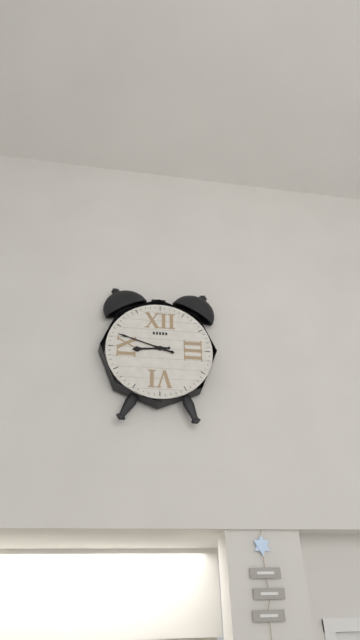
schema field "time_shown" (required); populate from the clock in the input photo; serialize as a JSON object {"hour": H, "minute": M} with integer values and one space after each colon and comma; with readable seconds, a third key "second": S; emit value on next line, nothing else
{"hour": 8, "minute": 48}
